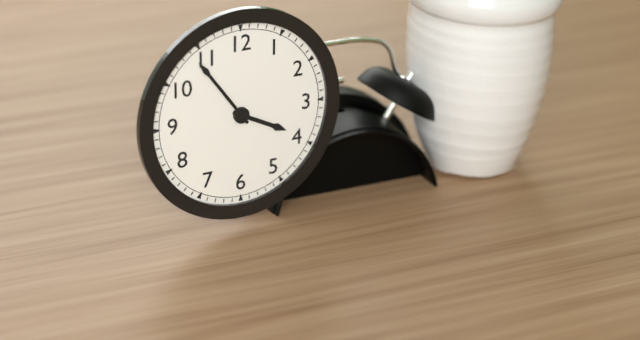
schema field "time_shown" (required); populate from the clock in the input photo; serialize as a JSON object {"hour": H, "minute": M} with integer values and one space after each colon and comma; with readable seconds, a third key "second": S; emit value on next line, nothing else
{"hour": 3, "minute": 54}
